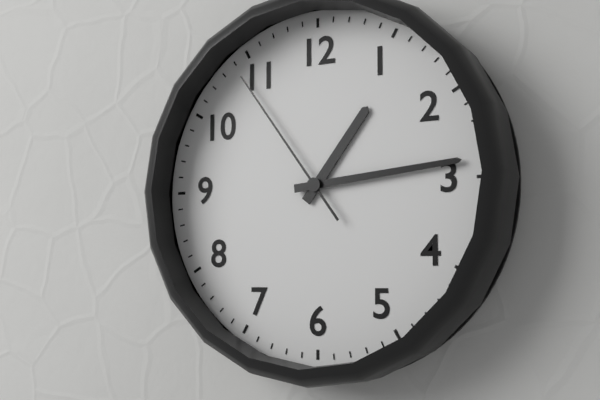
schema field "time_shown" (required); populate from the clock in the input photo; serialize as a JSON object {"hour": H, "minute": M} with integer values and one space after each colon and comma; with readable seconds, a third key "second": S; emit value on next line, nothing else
{"hour": 1, "minute": 14, "second": 54}
